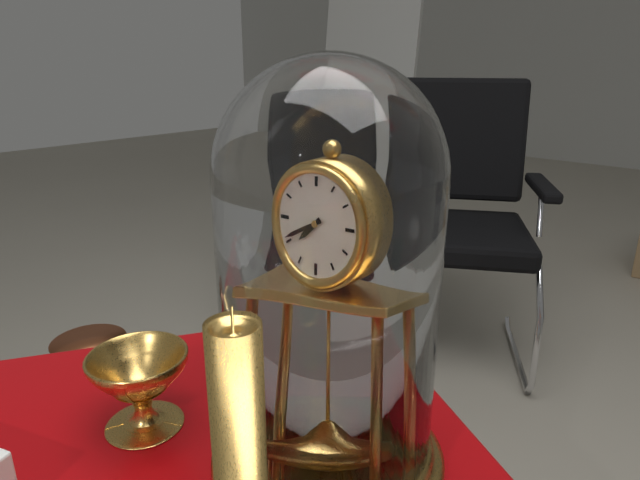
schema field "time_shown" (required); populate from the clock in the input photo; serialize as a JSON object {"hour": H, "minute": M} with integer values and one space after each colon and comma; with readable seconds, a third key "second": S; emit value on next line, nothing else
{"hour": 7, "minute": 41}
